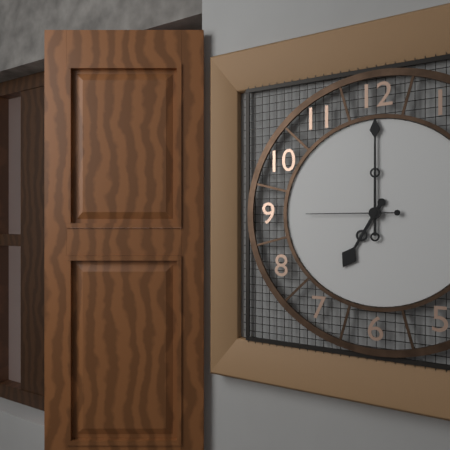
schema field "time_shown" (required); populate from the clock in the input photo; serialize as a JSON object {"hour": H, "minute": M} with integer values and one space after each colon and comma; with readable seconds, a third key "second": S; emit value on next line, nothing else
{"hour": 7, "minute": 0, "second": 45}
